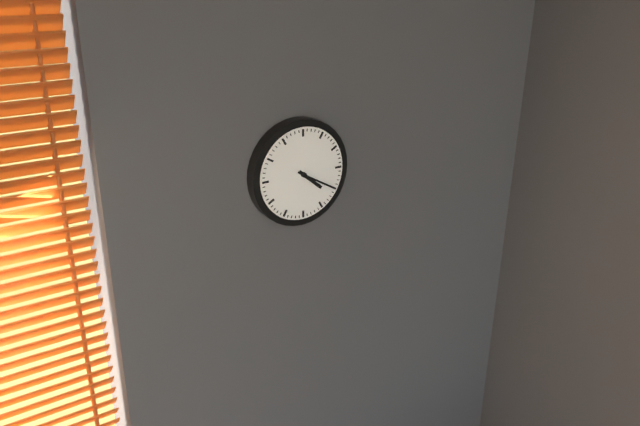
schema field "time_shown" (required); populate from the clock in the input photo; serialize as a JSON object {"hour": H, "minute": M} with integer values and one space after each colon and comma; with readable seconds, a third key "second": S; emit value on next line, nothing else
{"hour": 4, "minute": 20}
